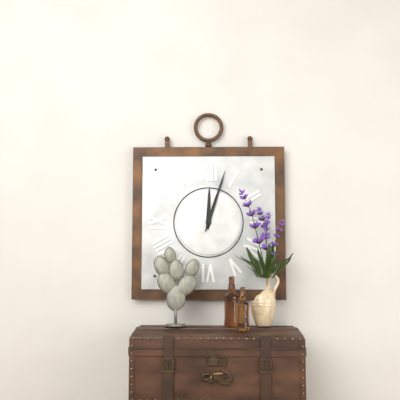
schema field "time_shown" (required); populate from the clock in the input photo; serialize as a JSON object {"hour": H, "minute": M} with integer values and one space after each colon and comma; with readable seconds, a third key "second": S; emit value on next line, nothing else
{"hour": 12, "minute": 3}
